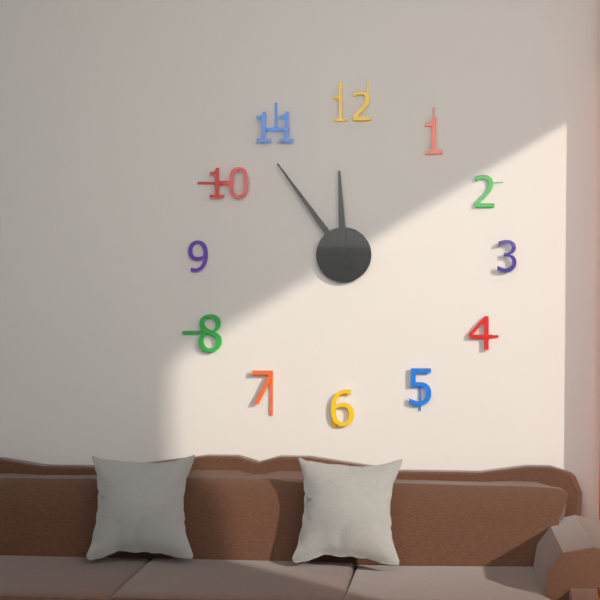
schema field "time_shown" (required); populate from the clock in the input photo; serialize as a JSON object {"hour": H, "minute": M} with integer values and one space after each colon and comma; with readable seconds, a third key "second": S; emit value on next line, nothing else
{"hour": 11, "minute": 54}
